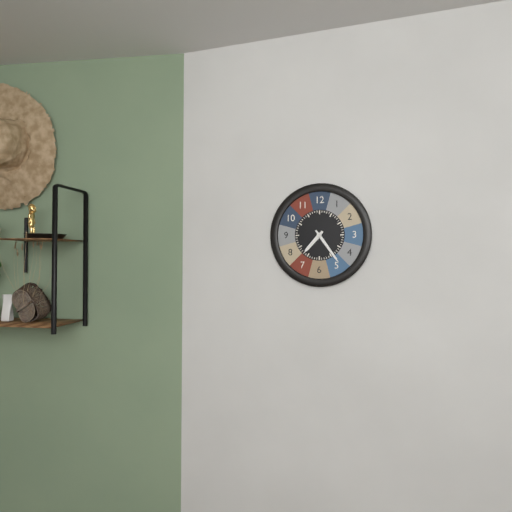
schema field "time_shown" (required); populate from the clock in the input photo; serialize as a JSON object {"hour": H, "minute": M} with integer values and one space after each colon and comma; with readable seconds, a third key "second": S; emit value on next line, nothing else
{"hour": 7, "minute": 24}
